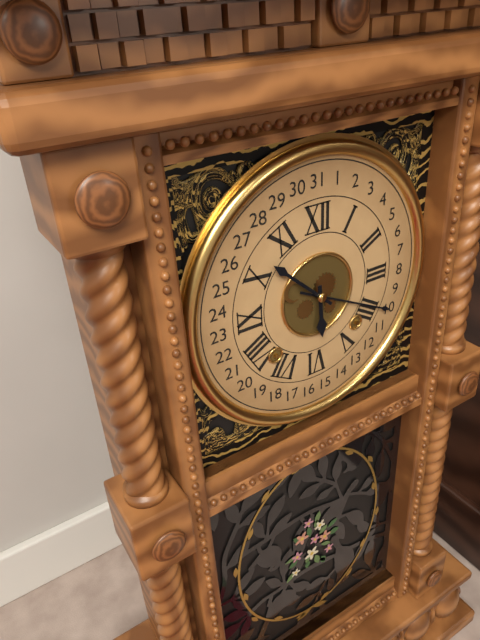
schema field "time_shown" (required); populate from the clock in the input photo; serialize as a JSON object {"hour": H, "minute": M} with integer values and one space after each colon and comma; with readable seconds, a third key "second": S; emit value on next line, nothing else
{"hour": 5, "minute": 52}
